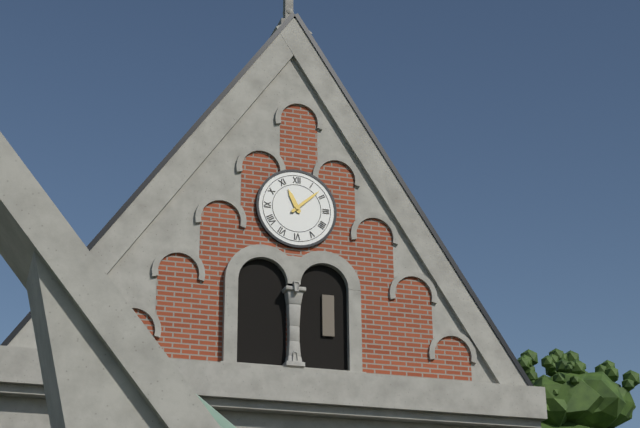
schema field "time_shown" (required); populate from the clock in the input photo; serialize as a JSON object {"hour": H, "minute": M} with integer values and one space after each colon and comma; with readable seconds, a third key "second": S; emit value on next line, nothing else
{"hour": 11, "minute": 8}
